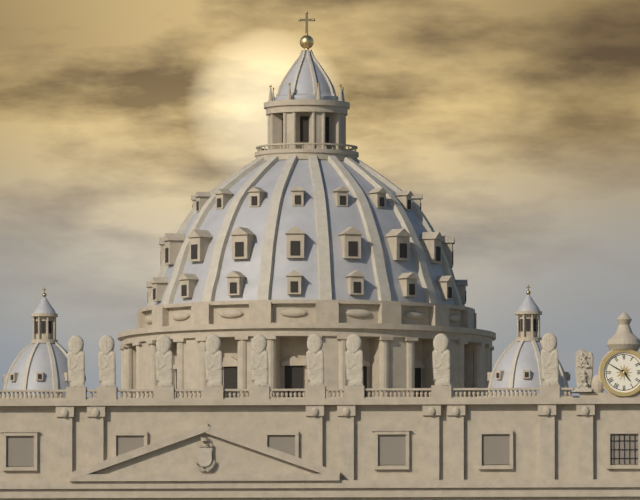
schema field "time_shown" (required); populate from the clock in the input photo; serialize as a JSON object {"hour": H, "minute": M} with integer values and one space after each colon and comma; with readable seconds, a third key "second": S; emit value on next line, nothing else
{"hour": 4, "minute": 50}
